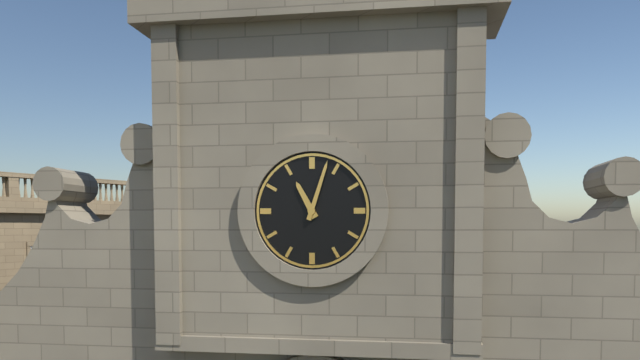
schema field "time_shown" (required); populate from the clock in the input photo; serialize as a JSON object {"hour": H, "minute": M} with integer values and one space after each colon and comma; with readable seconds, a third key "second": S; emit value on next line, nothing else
{"hour": 11, "minute": 3}
